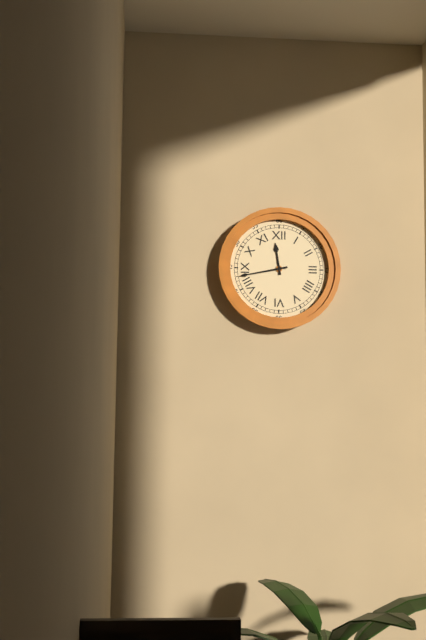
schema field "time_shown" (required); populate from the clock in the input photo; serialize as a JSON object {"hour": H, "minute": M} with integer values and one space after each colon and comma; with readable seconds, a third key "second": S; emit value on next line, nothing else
{"hour": 11, "minute": 43}
